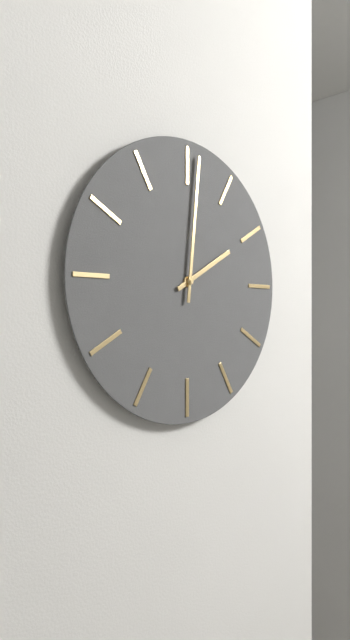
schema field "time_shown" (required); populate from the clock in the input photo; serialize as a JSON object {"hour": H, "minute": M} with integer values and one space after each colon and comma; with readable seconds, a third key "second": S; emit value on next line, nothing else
{"hour": 2, "minute": 1}
